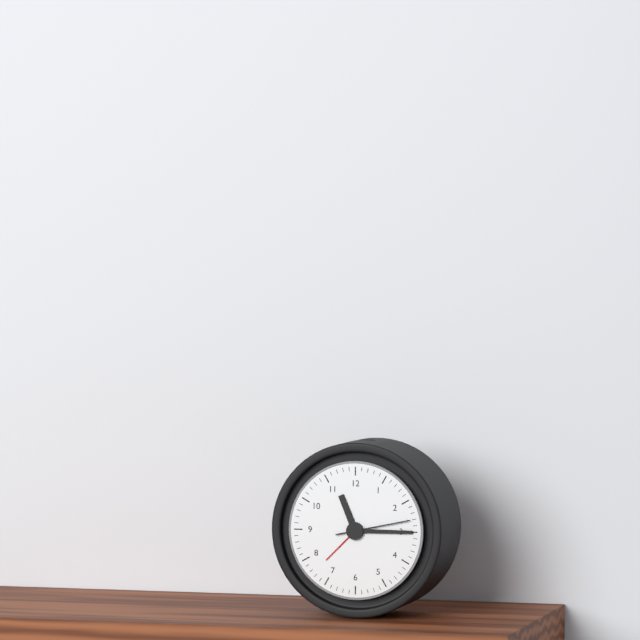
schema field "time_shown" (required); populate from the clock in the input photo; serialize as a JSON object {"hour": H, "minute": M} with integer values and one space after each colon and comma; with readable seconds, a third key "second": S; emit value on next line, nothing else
{"hour": 11, "minute": 15, "second": 13}
